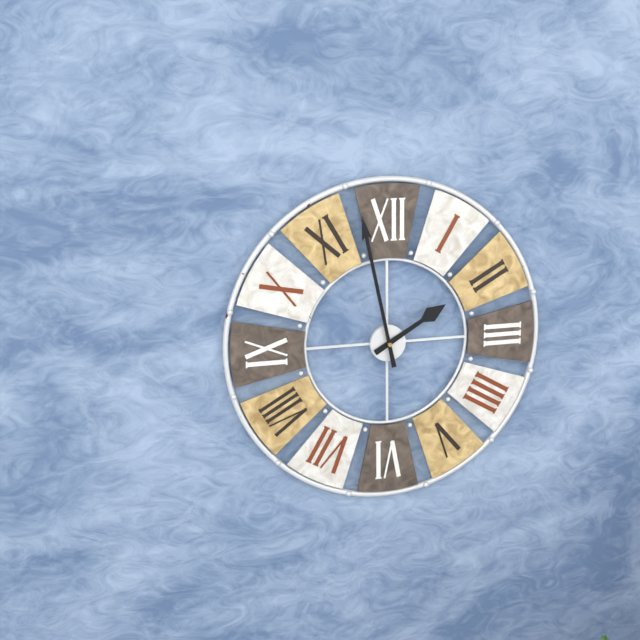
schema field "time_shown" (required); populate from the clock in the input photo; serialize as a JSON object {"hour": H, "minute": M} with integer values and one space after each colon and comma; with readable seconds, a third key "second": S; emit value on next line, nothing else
{"hour": 1, "minute": 58}
